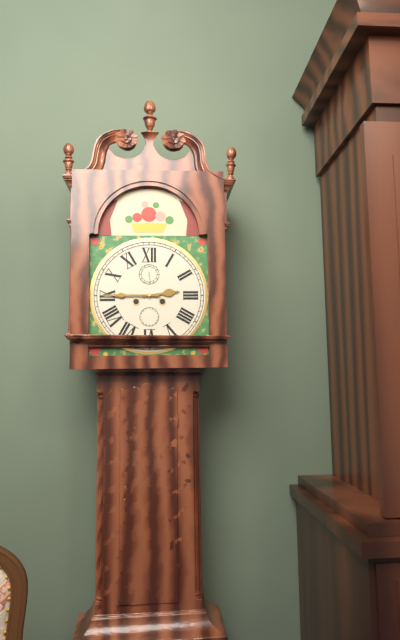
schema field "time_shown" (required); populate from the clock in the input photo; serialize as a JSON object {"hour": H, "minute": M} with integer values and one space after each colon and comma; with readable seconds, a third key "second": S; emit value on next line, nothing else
{"hour": 2, "minute": 45}
